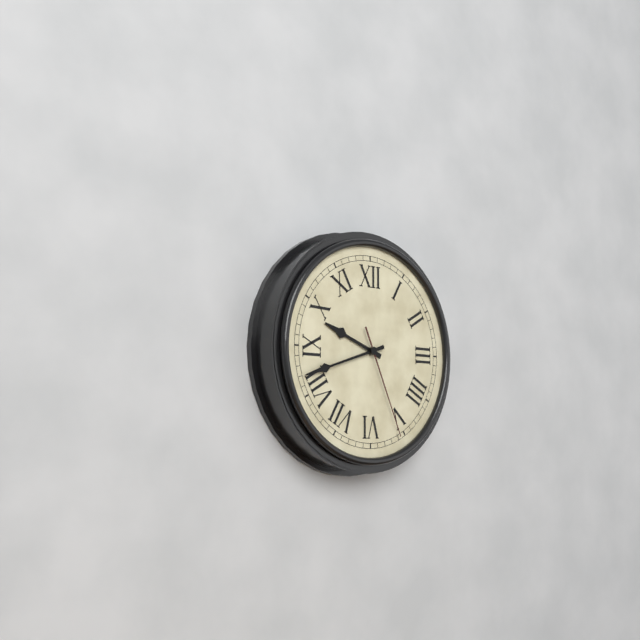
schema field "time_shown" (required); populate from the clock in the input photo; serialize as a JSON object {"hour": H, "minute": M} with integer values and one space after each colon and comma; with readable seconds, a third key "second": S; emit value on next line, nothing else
{"hour": 9, "minute": 42, "second": 26}
